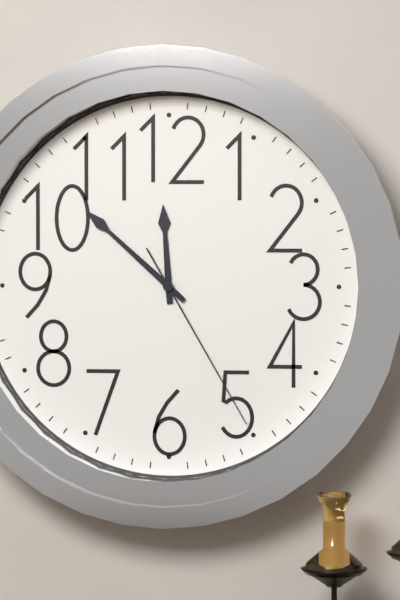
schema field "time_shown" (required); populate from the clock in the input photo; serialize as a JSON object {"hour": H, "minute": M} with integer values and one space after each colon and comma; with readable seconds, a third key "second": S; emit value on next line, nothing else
{"hour": 11, "minute": 52, "second": 25}
